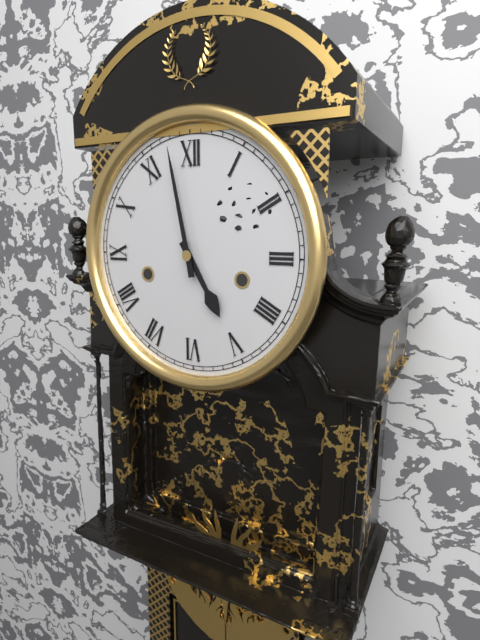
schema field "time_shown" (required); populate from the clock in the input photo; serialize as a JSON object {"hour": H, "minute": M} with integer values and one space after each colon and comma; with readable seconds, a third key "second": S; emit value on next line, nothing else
{"hour": 4, "minute": 58}
